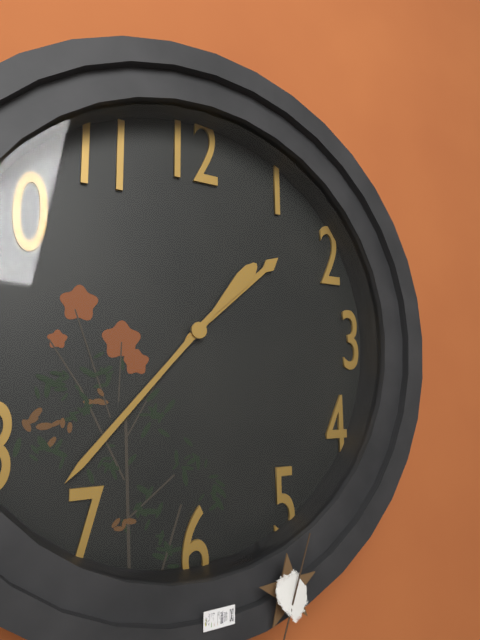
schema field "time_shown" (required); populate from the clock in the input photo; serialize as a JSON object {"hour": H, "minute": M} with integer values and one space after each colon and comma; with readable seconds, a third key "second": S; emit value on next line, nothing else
{"hour": 1, "minute": 37}
